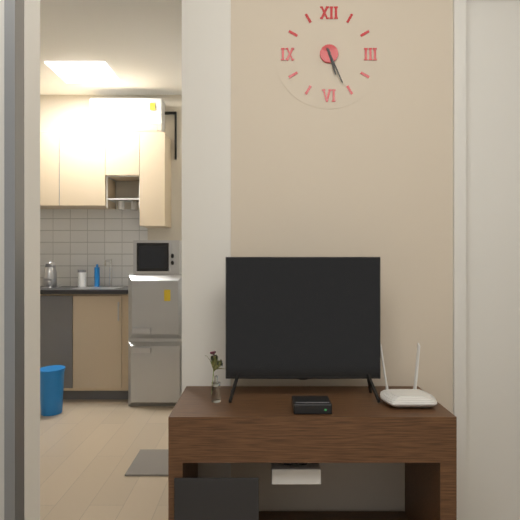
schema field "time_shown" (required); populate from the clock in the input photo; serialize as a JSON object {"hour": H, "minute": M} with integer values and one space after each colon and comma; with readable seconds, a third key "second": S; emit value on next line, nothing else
{"hour": 5, "minute": 26}
